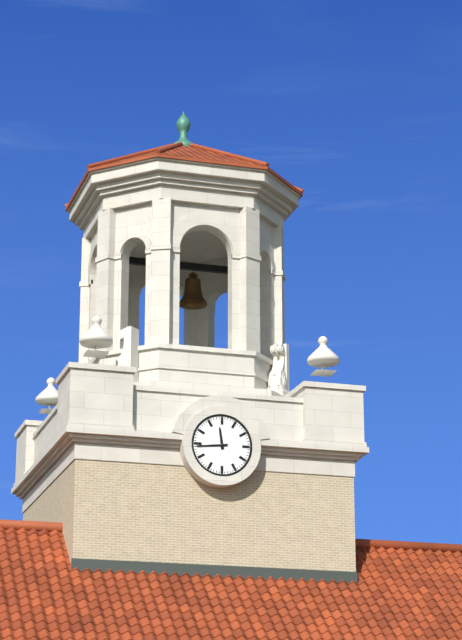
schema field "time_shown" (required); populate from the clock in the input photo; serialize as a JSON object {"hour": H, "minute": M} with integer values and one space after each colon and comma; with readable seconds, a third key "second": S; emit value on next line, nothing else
{"hour": 11, "minute": 44}
